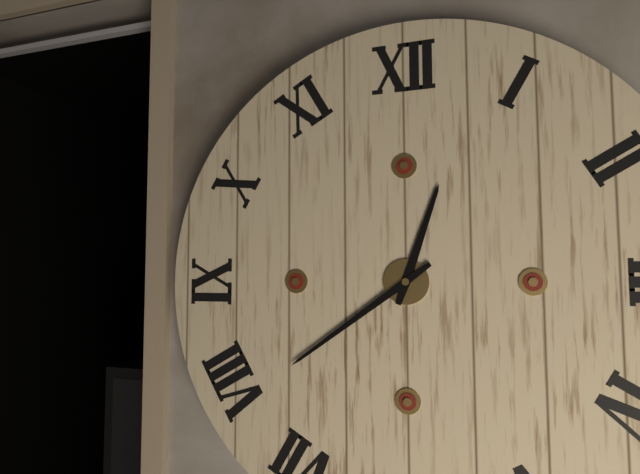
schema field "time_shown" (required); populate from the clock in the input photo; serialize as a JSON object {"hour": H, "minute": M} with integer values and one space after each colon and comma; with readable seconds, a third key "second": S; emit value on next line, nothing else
{"hour": 12, "minute": 39}
